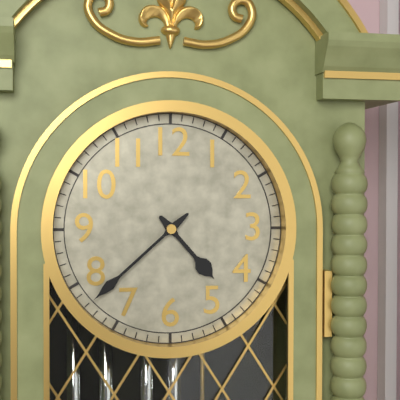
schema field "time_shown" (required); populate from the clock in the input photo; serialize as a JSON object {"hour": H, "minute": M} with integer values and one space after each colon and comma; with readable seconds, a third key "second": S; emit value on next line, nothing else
{"hour": 4, "minute": 38}
